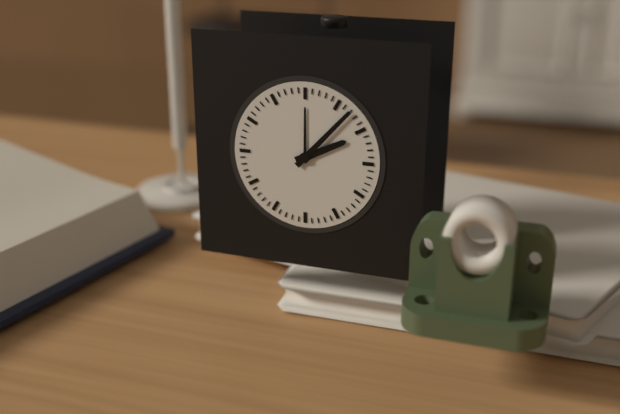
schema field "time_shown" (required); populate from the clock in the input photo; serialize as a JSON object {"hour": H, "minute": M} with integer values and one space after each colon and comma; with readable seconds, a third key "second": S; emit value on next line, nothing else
{"hour": 2, "minute": 7}
